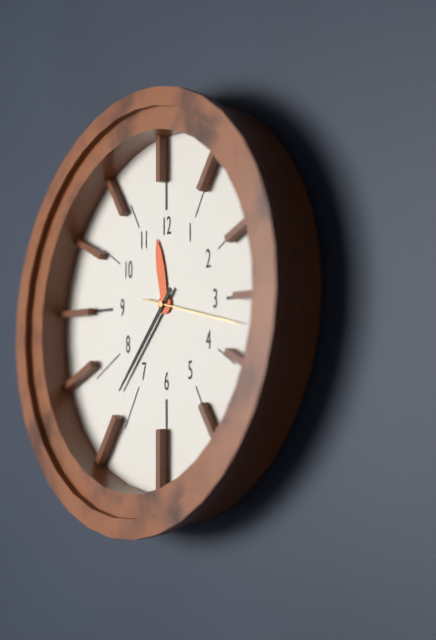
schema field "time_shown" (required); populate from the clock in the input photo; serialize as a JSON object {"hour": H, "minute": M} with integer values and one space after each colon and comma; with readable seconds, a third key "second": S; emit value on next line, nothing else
{"hour": 11, "minute": 37, "second": 17}
